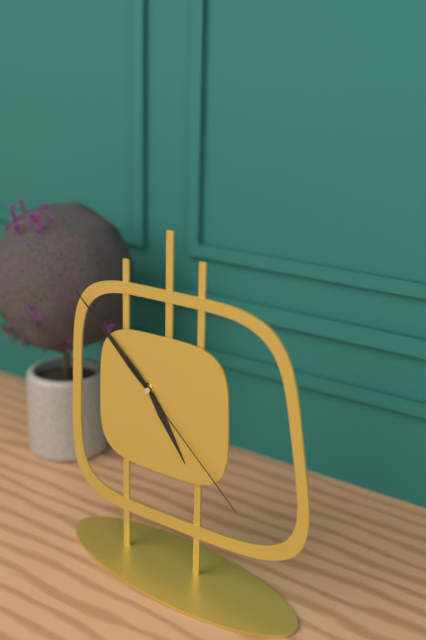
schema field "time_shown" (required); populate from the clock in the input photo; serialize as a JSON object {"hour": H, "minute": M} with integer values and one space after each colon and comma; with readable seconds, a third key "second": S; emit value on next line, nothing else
{"hour": 4, "minute": 52, "second": 22}
